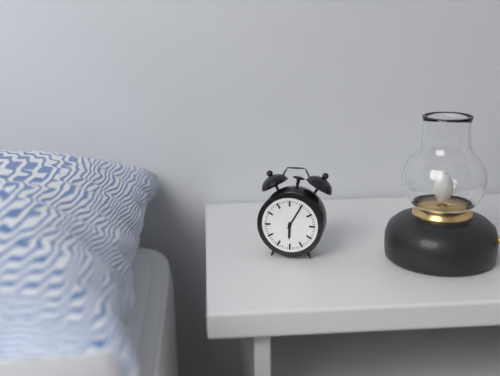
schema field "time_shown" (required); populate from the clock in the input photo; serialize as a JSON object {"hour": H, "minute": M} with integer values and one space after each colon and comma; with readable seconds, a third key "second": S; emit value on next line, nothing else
{"hour": 6, "minute": 5}
